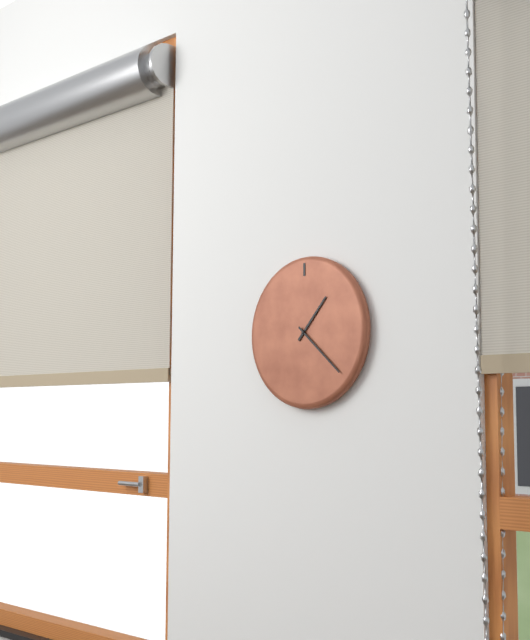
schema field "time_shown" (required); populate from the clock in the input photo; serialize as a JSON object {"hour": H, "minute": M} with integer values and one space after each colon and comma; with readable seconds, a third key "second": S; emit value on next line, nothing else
{"hour": 1, "minute": 22}
